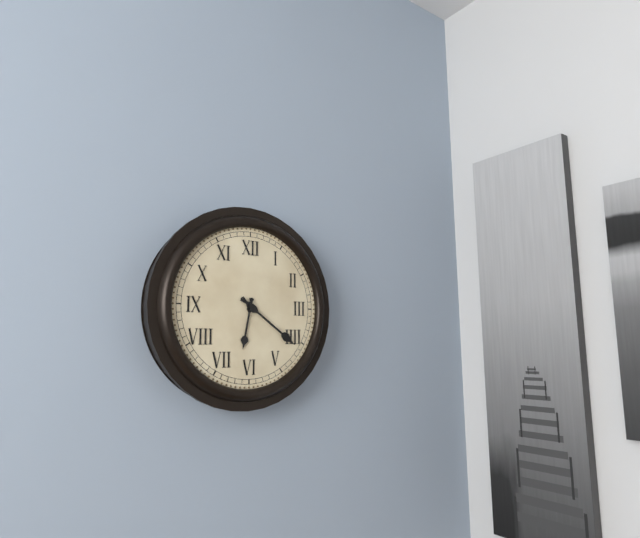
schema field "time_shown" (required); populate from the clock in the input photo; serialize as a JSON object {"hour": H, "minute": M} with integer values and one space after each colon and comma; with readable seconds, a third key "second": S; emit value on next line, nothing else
{"hour": 6, "minute": 21}
